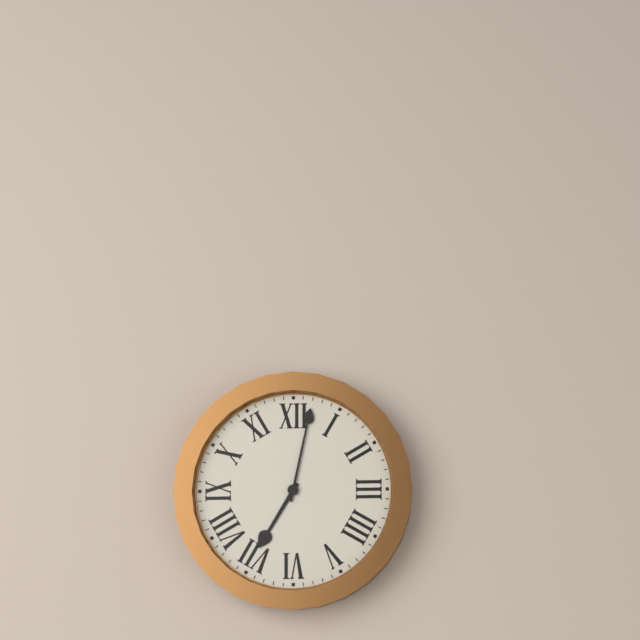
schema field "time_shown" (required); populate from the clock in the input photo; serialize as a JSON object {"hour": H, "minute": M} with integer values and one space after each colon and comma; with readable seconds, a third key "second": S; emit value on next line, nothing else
{"hour": 7, "minute": 2}
